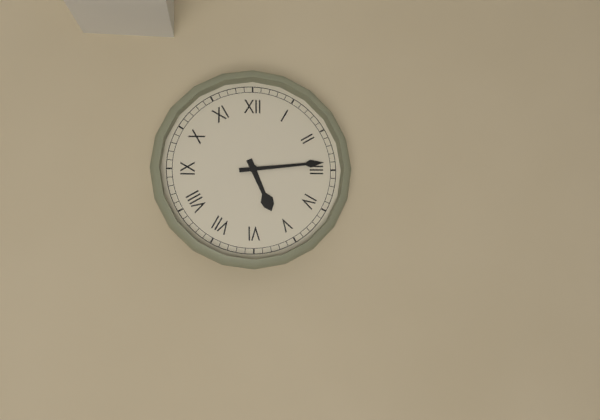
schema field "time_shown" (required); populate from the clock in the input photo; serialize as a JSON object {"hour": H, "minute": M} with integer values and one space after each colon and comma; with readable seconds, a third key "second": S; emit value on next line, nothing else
{"hour": 5, "minute": 14}
